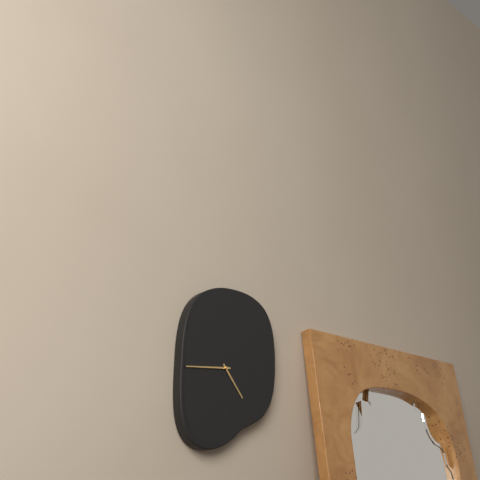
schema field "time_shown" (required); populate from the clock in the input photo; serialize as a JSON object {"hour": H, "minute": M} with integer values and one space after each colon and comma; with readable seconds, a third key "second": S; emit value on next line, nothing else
{"hour": 4, "minute": 44}
